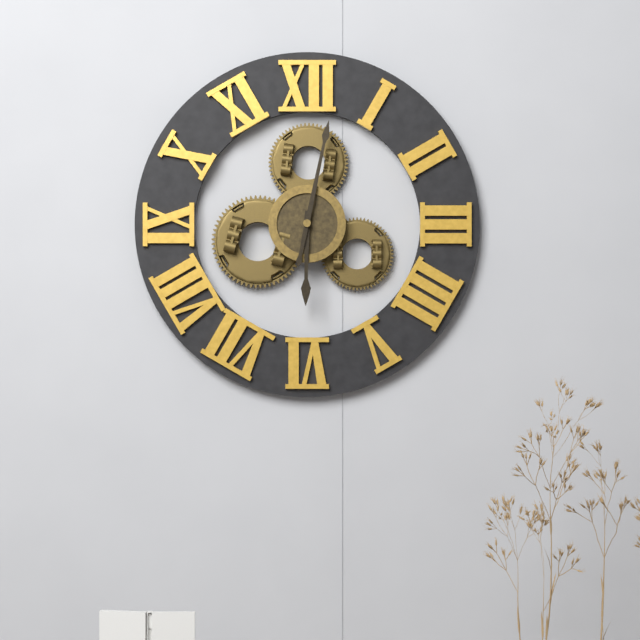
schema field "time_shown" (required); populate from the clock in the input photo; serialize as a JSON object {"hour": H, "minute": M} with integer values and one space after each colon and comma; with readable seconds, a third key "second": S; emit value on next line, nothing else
{"hour": 6, "minute": 2}
